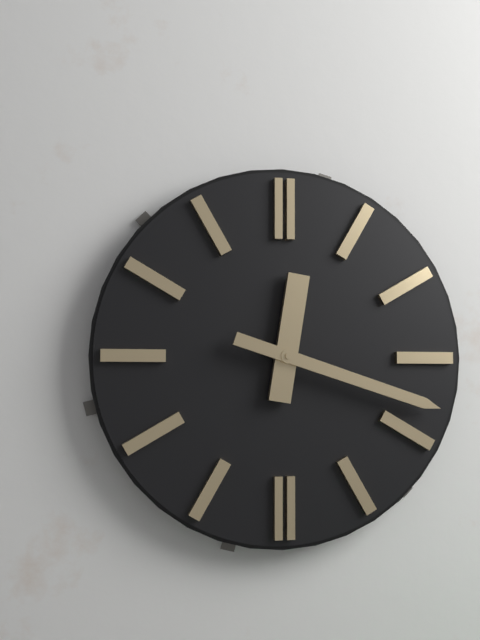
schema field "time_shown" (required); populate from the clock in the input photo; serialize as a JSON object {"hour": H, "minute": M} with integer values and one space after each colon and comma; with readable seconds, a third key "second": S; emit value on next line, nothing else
{"hour": 12, "minute": 18}
